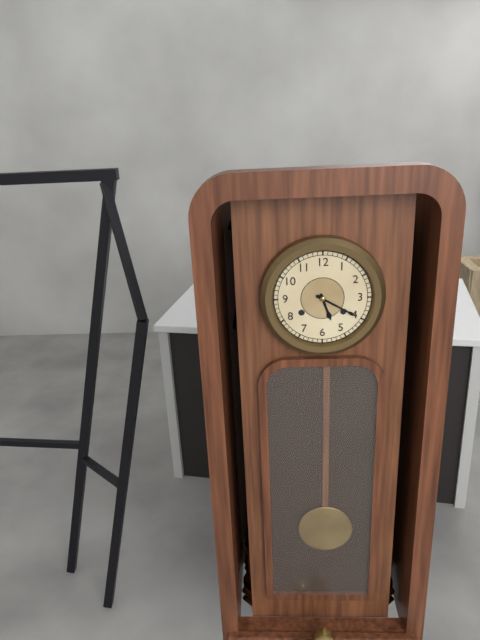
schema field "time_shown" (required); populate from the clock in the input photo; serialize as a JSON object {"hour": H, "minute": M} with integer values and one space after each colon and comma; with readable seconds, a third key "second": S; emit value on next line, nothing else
{"hour": 5, "minute": 20}
